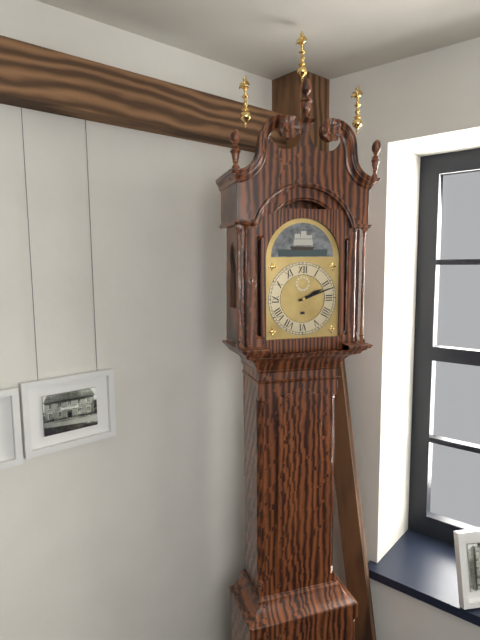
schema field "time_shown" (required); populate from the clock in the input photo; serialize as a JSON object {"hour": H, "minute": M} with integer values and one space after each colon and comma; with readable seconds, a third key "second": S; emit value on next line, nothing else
{"hour": 2, "minute": 12}
